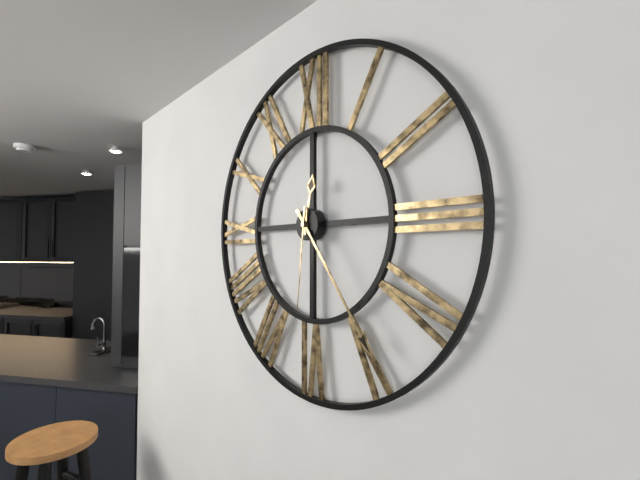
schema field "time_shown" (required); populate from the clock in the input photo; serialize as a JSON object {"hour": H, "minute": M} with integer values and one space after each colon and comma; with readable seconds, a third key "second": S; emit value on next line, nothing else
{"hour": 12, "minute": 24, "second": 31}
